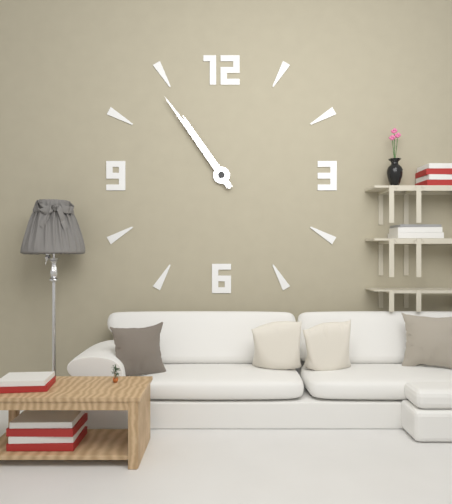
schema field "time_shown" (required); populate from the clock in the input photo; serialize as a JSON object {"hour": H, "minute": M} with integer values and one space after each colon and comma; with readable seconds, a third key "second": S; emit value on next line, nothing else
{"hour": 10, "minute": 54}
